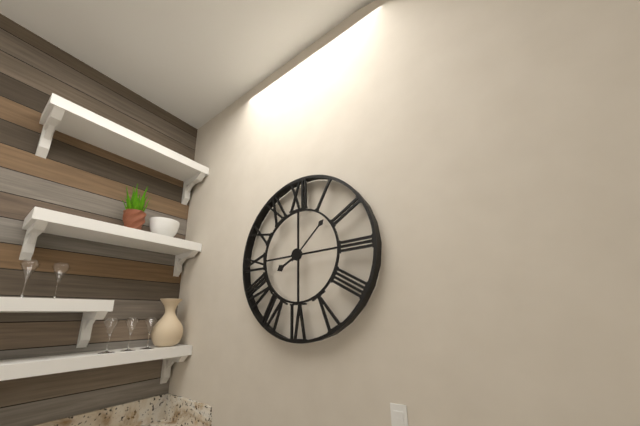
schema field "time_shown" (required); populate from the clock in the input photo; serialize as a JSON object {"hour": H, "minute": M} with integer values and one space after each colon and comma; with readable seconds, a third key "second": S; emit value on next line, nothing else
{"hour": 8, "minute": 8}
